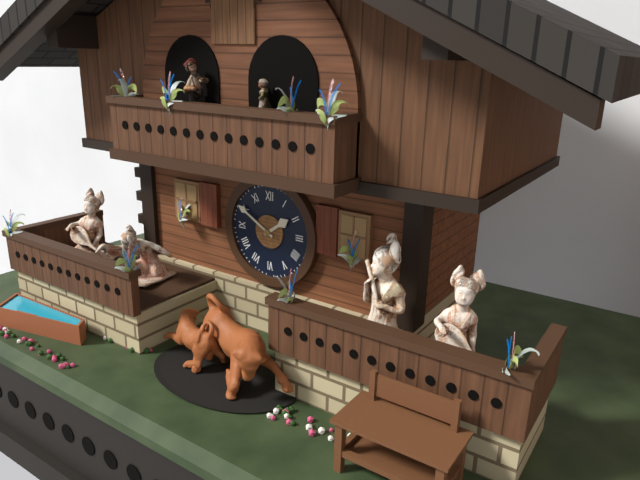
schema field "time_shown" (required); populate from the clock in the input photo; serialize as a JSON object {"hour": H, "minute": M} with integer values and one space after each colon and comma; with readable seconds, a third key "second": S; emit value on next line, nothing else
{"hour": 1, "minute": 50}
